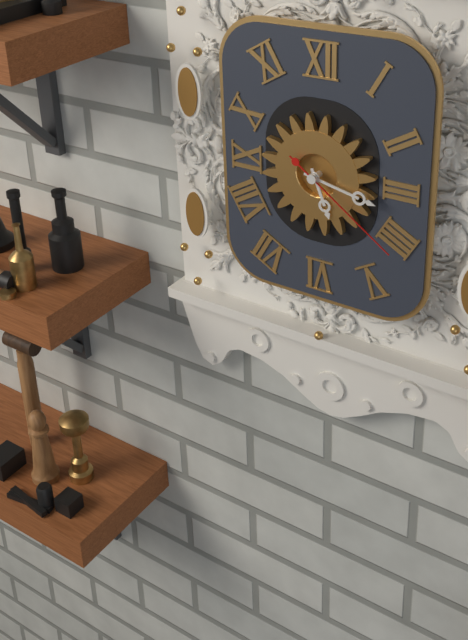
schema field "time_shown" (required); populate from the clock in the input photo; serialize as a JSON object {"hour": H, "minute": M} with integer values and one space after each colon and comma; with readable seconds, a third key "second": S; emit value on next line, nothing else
{"hour": 5, "minute": 17, "second": 21}
